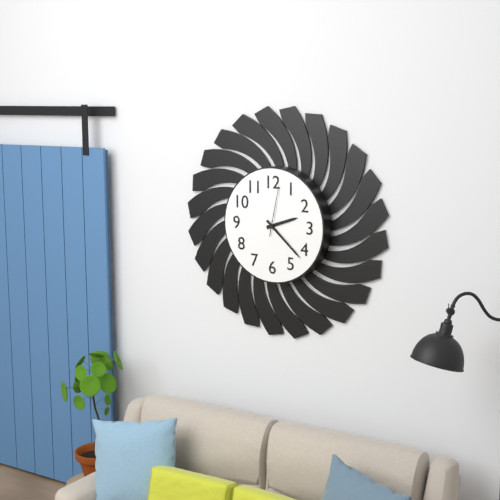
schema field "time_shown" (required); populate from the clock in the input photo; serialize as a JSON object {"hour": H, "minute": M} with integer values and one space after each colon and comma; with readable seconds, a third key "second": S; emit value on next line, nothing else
{"hour": 2, "minute": 22}
